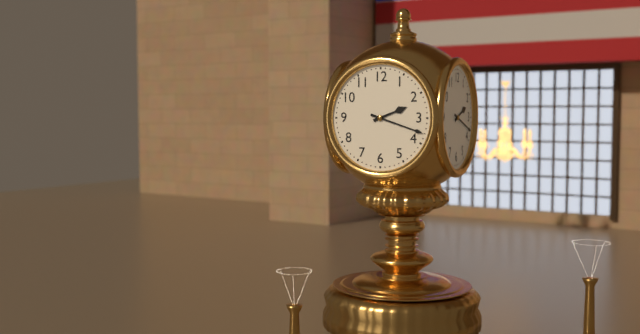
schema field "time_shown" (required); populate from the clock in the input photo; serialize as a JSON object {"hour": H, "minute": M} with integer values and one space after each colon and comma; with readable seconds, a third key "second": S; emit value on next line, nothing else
{"hour": 2, "minute": 18}
